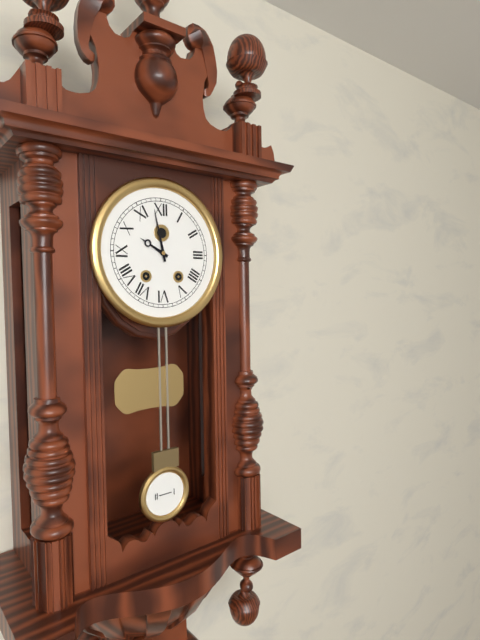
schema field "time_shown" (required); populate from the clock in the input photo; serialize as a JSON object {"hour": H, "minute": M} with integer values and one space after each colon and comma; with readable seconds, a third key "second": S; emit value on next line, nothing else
{"hour": 9, "minute": 58}
